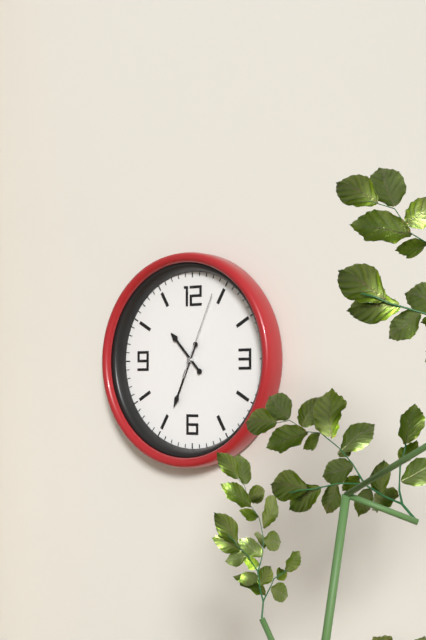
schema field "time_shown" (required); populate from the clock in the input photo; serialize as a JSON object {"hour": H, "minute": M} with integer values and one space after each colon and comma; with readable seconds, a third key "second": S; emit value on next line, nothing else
{"hour": 10, "minute": 34, "second": 4}
